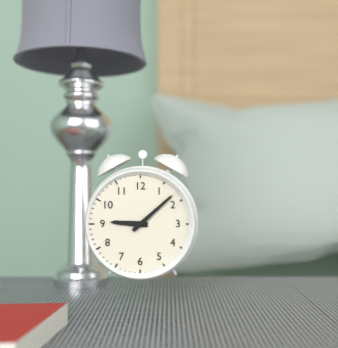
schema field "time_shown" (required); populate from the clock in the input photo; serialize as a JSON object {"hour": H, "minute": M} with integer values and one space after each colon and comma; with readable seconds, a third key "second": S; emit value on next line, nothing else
{"hour": 9, "minute": 8}
